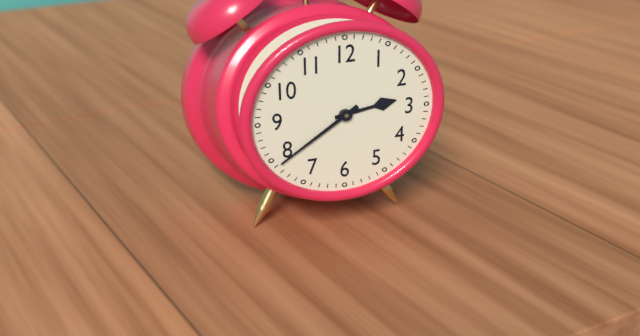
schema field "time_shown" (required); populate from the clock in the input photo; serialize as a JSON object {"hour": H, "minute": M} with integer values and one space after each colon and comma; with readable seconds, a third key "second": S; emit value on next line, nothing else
{"hour": 2, "minute": 39}
